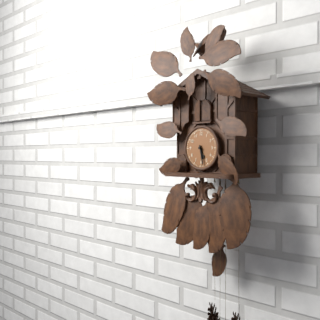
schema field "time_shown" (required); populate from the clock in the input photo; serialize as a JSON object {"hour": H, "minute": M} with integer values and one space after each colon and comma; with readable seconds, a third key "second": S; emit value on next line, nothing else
{"hour": 5, "minute": 28}
